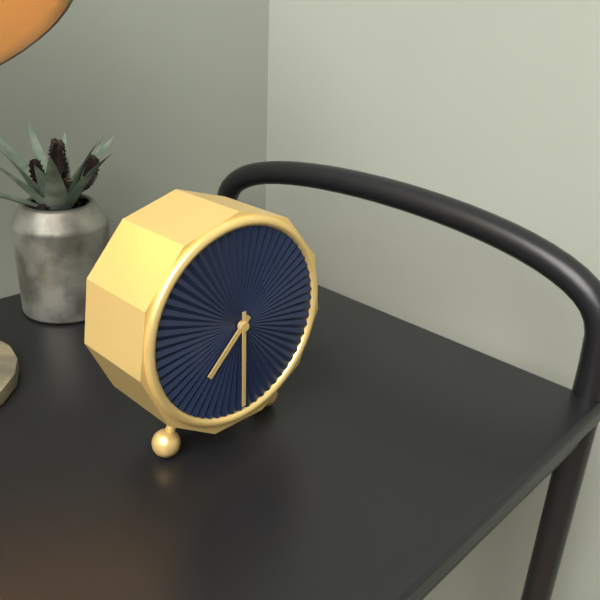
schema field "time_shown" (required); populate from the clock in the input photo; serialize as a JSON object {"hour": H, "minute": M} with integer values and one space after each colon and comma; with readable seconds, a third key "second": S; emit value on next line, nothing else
{"hour": 7, "minute": 30}
